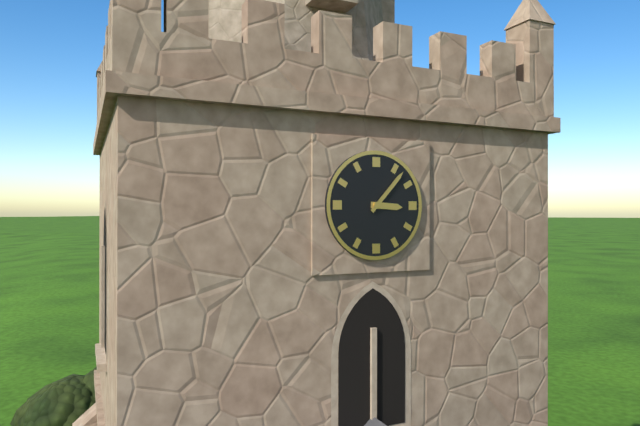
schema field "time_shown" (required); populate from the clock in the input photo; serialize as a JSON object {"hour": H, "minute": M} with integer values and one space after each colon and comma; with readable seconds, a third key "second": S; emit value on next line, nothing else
{"hour": 3, "minute": 7}
